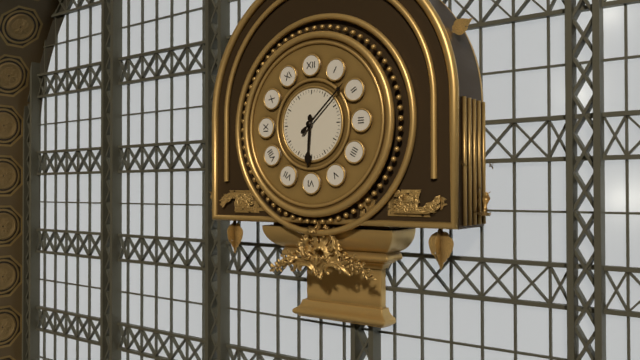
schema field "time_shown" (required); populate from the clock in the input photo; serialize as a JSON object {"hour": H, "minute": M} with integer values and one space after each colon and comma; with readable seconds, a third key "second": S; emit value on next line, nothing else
{"hour": 6, "minute": 8}
